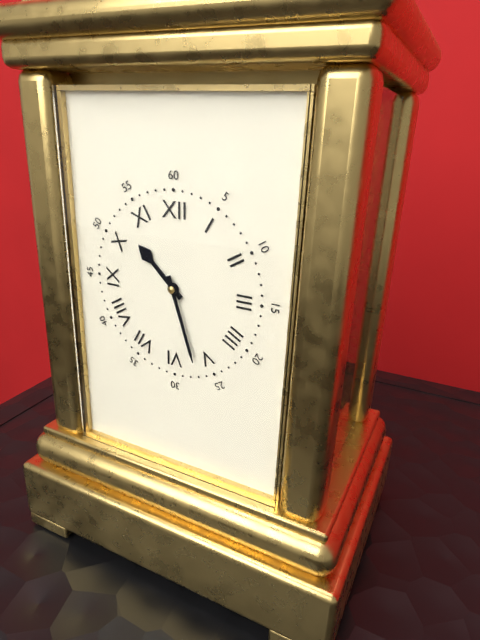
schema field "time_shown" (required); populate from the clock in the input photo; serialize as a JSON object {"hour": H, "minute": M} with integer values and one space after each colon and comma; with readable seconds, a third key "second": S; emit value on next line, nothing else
{"hour": 10, "minute": 27}
